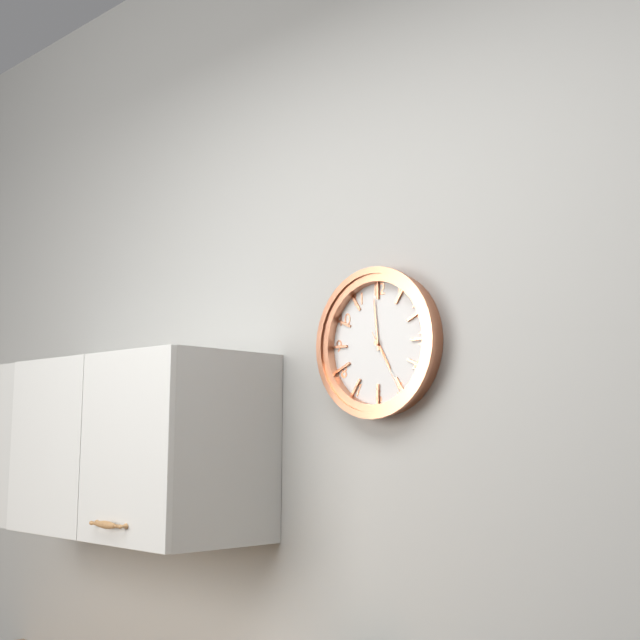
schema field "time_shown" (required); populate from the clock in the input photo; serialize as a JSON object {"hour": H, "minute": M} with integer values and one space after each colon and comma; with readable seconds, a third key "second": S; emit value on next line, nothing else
{"hour": 4, "minute": 59, "second": 25}
